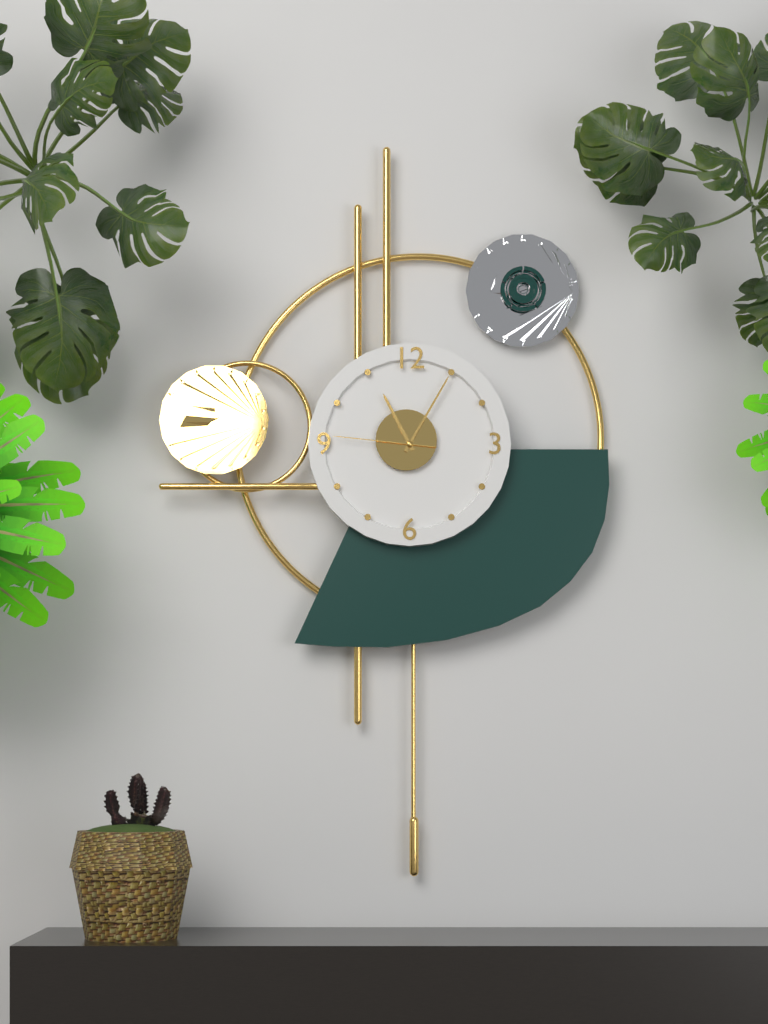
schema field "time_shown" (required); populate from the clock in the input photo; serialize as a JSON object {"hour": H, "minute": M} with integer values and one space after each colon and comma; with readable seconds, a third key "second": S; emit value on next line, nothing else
{"hour": 11, "minute": 5, "second": 46}
